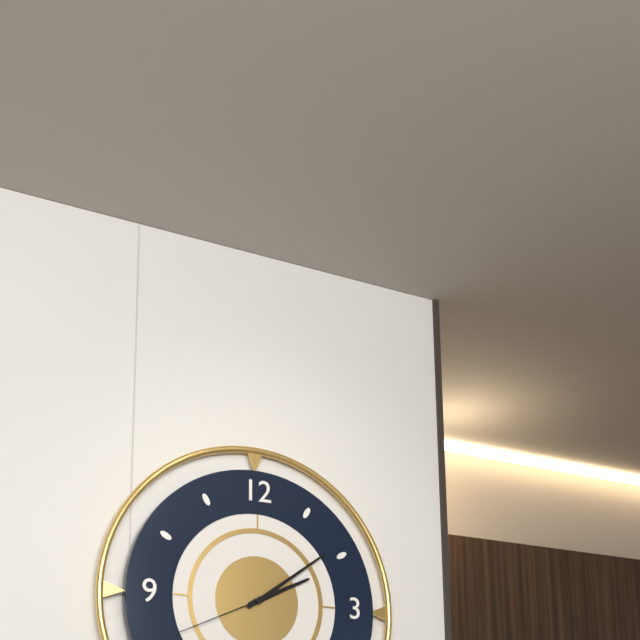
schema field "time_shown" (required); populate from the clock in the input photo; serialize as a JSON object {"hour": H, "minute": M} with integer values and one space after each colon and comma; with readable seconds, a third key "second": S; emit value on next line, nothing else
{"hour": 2, "minute": 9, "second": 41}
